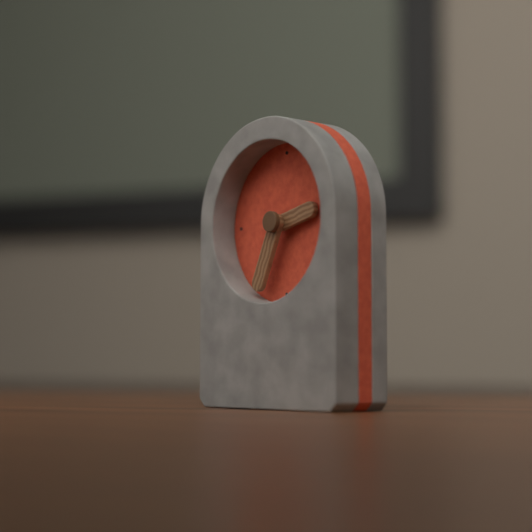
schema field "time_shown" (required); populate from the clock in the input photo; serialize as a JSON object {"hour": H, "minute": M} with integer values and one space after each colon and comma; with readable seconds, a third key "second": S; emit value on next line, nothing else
{"hour": 2, "minute": 34}
